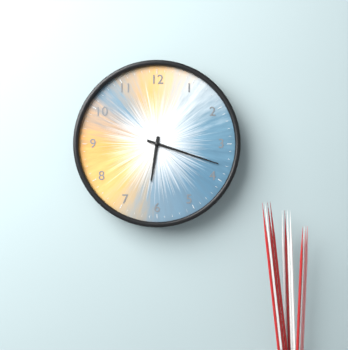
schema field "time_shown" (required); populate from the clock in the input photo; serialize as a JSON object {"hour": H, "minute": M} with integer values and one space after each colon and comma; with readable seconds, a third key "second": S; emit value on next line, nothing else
{"hour": 6, "minute": 18}
